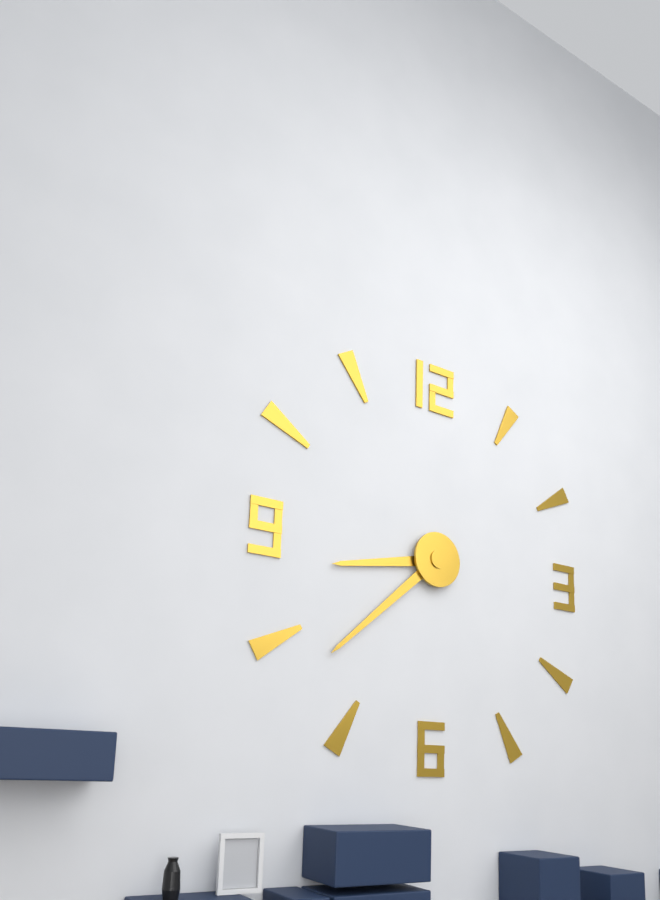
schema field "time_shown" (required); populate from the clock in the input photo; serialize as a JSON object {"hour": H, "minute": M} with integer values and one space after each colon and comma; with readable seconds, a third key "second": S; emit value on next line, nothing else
{"hour": 8, "minute": 38}
